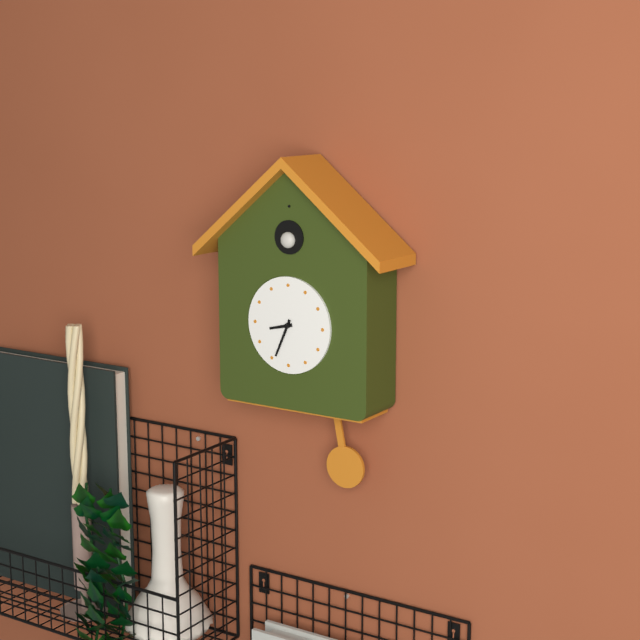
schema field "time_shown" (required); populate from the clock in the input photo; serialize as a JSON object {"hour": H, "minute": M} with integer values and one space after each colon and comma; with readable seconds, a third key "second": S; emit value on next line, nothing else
{"hour": 8, "minute": 34}
